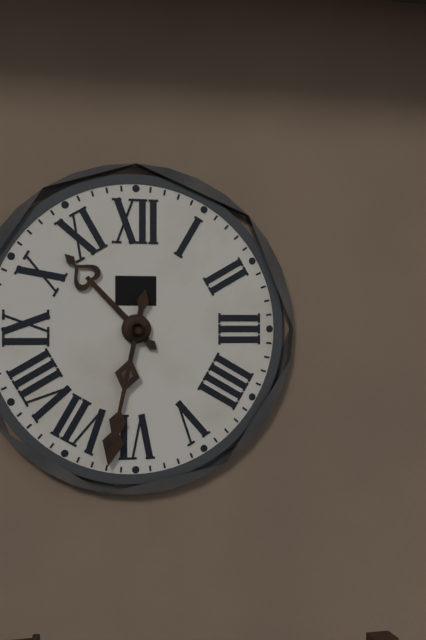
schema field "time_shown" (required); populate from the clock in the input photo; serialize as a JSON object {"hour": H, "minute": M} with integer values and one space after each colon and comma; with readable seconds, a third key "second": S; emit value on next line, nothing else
{"hour": 10, "minute": 32}
